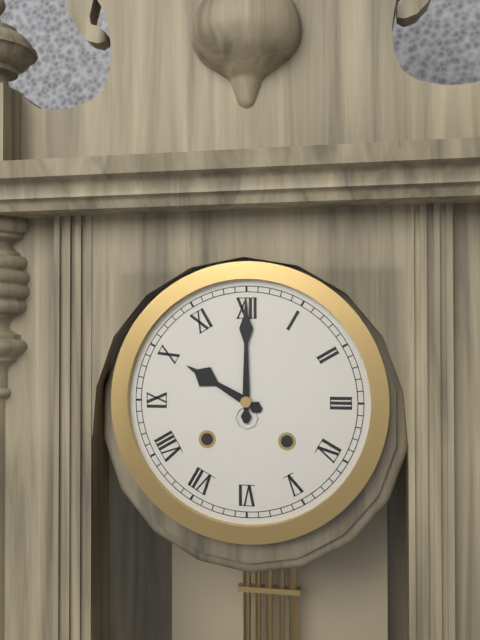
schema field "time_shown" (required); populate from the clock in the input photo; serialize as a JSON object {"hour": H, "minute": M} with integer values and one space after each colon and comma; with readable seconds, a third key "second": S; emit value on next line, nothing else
{"hour": 10, "minute": 0}
